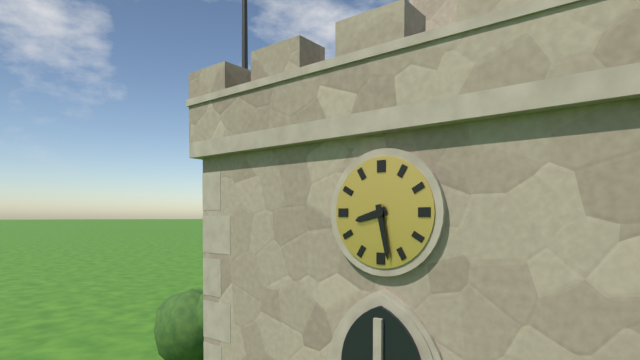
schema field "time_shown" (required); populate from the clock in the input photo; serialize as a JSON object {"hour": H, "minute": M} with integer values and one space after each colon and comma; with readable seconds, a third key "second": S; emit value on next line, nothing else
{"hour": 8, "minute": 28}
